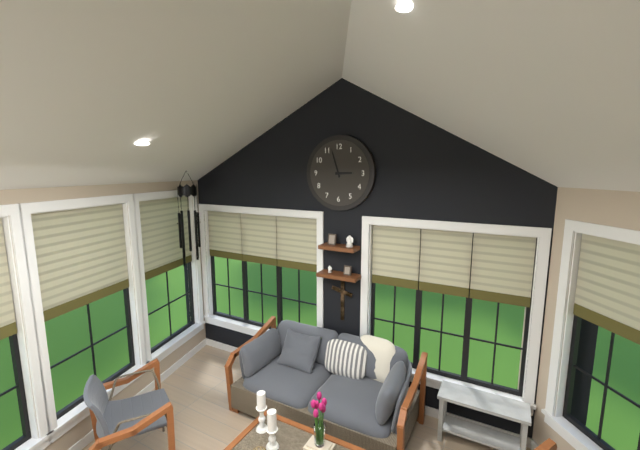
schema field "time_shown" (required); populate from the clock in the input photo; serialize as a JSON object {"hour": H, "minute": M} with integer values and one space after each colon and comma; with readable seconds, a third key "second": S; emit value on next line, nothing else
{"hour": 2, "minute": 57}
